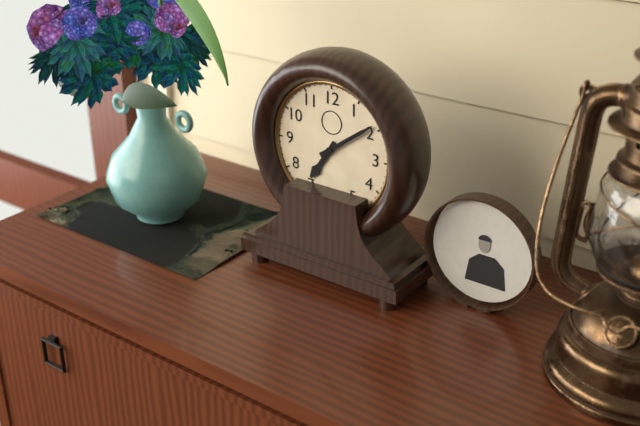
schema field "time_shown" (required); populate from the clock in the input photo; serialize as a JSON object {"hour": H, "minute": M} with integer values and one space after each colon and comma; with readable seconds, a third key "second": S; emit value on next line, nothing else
{"hour": 7, "minute": 9}
